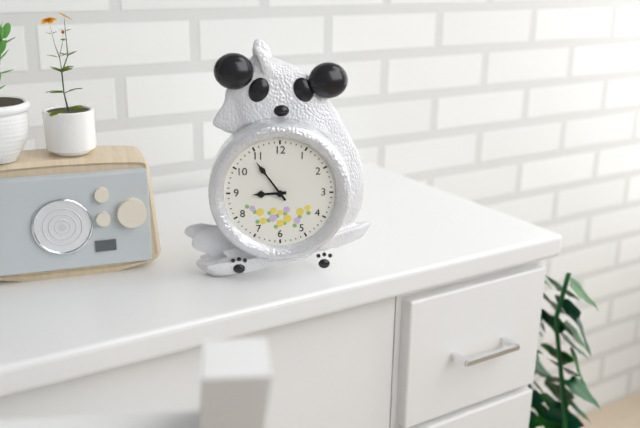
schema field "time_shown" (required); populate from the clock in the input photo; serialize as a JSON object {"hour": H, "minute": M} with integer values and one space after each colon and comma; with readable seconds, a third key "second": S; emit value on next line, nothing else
{"hour": 8, "minute": 54}
